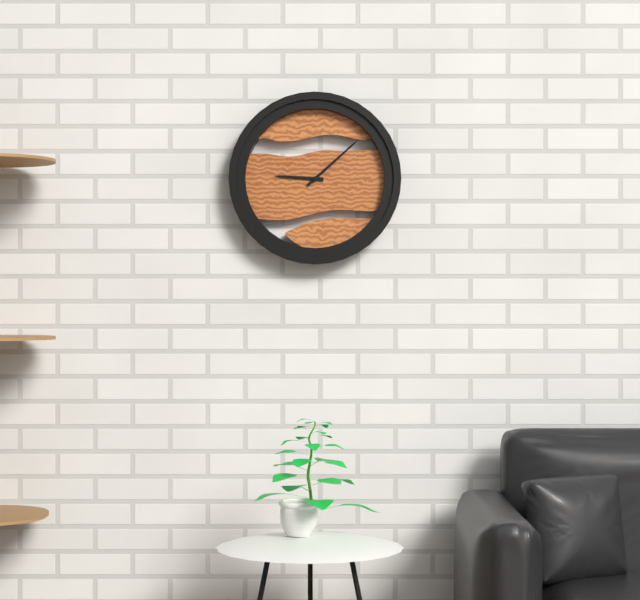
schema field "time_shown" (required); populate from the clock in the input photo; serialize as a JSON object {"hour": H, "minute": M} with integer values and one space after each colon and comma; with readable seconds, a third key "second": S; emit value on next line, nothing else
{"hour": 9, "minute": 8}
